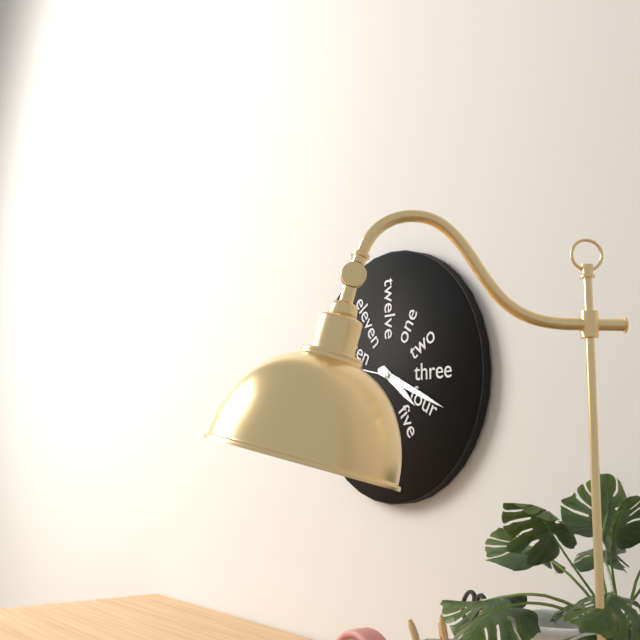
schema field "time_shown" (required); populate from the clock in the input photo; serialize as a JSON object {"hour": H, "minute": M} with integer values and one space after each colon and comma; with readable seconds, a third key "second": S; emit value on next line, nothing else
{"hour": 4, "minute": 19}
